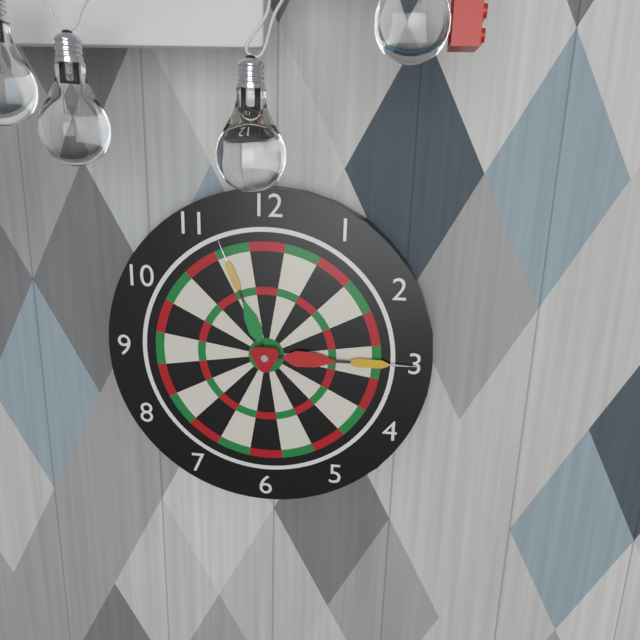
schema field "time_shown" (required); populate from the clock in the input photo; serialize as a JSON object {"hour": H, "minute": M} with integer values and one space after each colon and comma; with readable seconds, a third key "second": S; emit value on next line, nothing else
{"hour": 11, "minute": 15}
